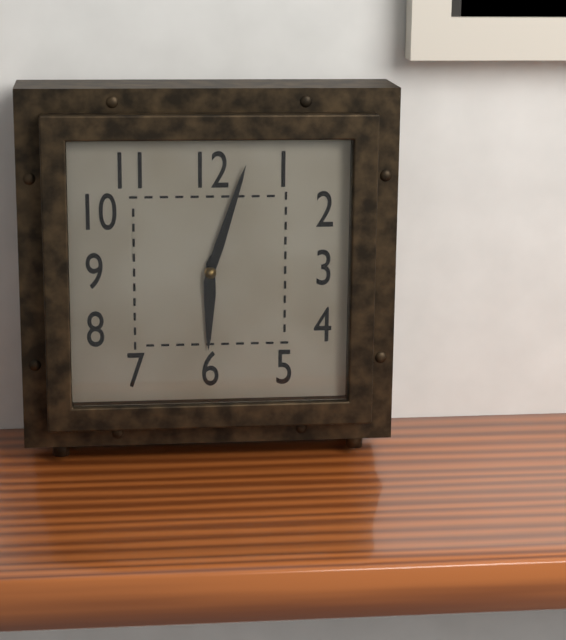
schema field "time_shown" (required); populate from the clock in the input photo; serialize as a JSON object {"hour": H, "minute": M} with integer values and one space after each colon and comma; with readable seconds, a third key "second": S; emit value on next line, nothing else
{"hour": 6, "minute": 3}
